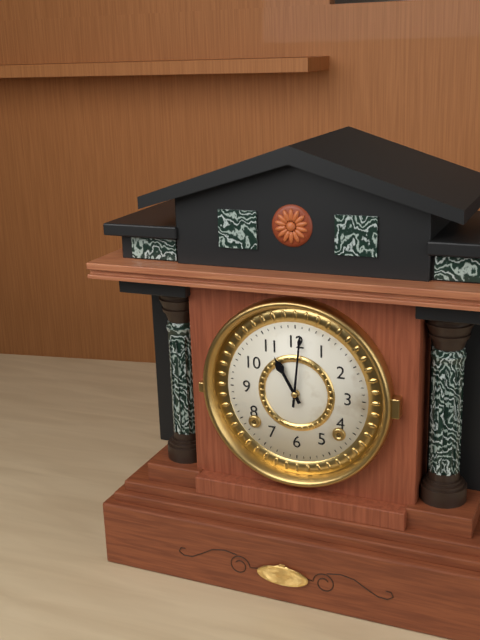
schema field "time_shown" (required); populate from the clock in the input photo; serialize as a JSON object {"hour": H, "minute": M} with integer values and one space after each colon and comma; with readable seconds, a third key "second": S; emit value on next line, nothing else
{"hour": 11, "minute": 1}
